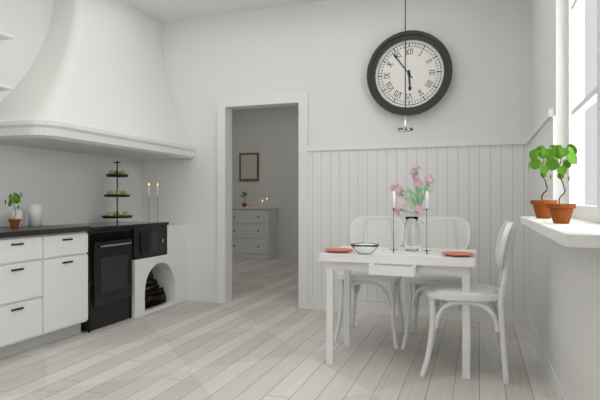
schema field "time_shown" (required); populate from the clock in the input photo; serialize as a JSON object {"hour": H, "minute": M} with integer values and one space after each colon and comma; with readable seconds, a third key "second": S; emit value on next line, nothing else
{"hour": 5, "minute": 54}
